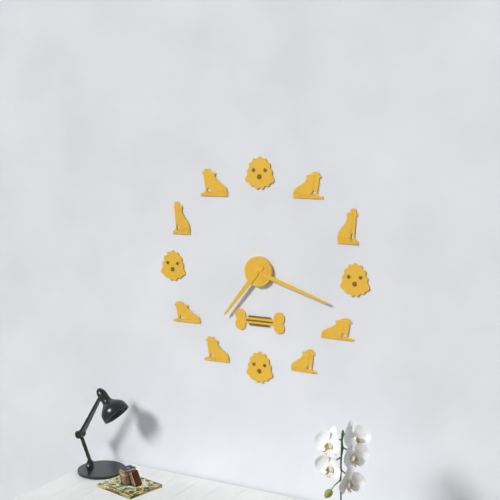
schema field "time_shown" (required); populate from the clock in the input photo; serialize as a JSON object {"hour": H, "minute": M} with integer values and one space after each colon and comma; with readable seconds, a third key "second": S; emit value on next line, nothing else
{"hour": 7, "minute": 18}
